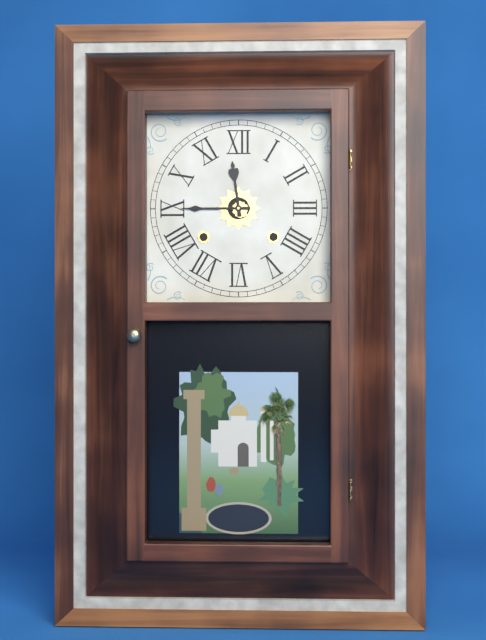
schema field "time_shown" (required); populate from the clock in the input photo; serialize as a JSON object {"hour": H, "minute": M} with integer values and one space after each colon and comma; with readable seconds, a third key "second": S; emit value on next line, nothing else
{"hour": 11, "minute": 45}
